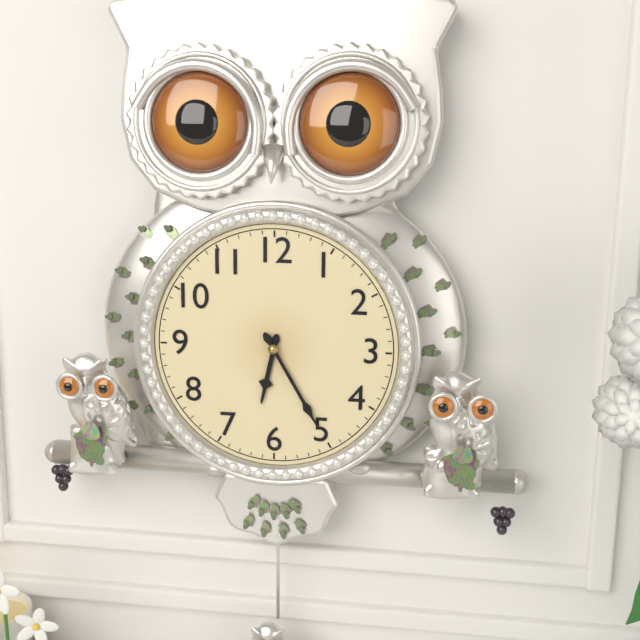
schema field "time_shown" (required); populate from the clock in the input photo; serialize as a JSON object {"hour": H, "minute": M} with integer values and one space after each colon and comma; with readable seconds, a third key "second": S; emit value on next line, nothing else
{"hour": 6, "minute": 25}
